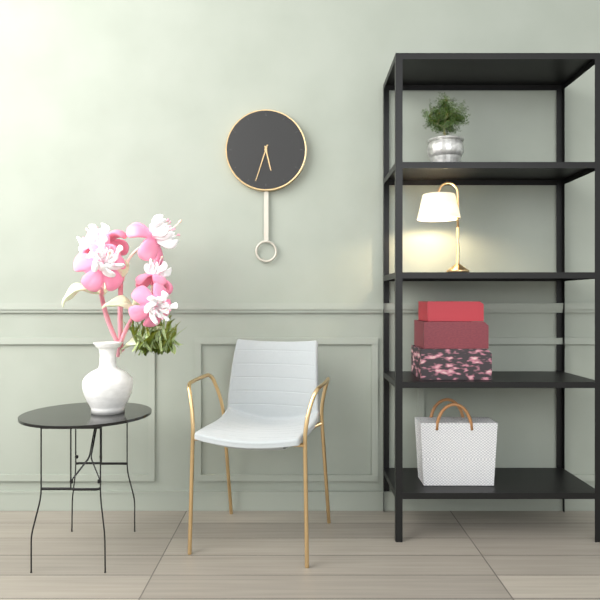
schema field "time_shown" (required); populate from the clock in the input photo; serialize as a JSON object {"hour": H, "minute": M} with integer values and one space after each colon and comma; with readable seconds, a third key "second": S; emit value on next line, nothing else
{"hour": 5, "minute": 33}
